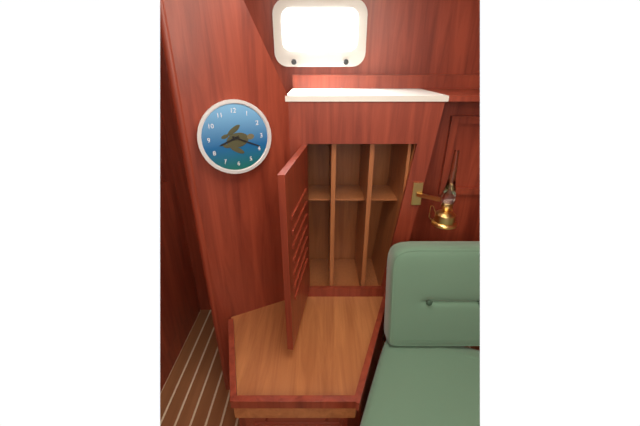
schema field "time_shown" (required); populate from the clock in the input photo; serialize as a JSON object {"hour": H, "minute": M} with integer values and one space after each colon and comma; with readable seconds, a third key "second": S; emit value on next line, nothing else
{"hour": 8, "minute": 19}
